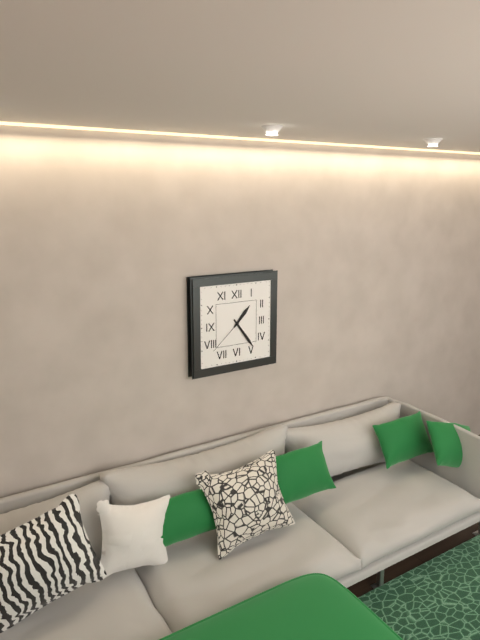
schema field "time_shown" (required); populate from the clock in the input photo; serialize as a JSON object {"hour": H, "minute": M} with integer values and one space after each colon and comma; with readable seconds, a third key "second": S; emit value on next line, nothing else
{"hour": 1, "minute": 24}
